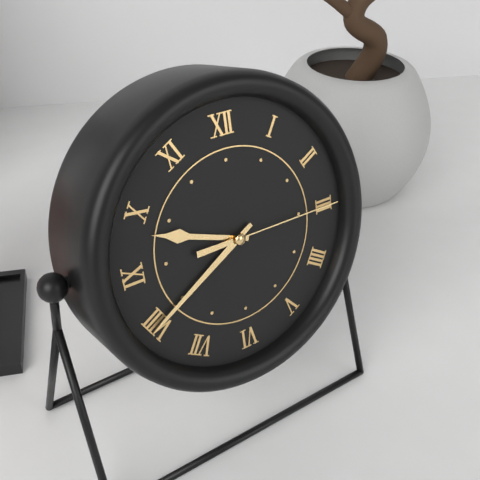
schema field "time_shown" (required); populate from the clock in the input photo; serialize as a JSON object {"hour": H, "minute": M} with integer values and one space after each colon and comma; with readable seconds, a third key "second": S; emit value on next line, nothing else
{"hour": 9, "minute": 40, "second": 15}
